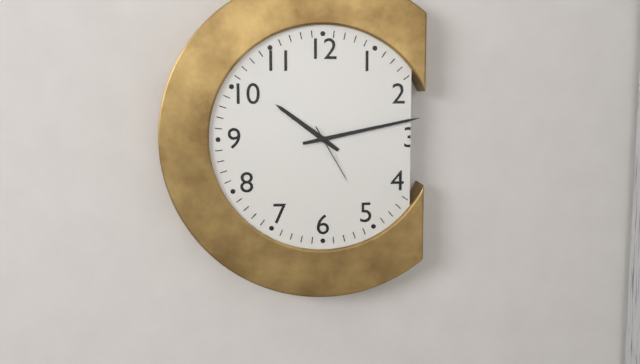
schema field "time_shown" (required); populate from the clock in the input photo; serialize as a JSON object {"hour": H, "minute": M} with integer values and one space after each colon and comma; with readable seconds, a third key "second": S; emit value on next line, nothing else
{"hour": 10, "minute": 13, "second": 25}
